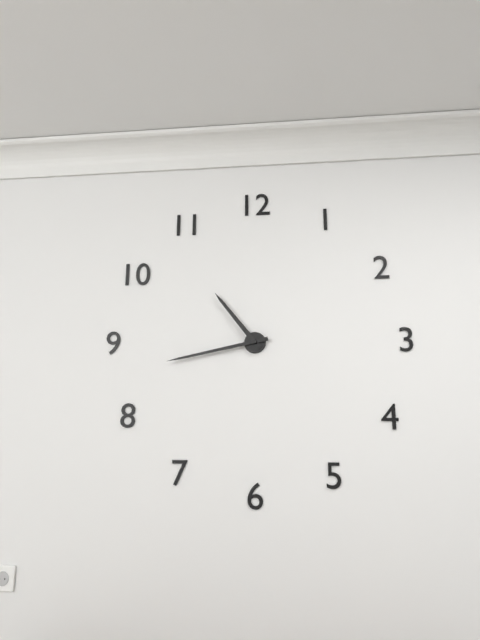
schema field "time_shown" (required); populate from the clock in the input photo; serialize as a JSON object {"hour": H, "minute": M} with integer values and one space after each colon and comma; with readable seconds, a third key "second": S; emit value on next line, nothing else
{"hour": 10, "minute": 43}
